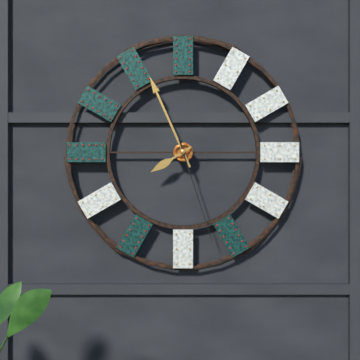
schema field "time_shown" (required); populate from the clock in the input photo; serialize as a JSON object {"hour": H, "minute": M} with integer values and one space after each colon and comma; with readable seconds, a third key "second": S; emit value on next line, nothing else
{"hour": 7, "minute": 56, "second": 27}
